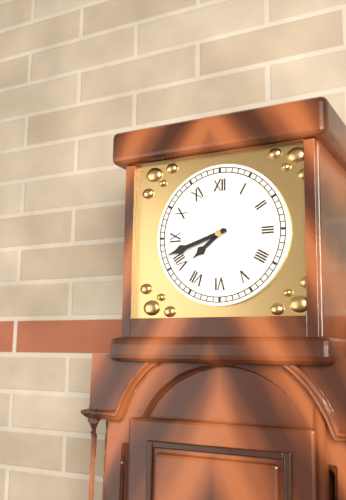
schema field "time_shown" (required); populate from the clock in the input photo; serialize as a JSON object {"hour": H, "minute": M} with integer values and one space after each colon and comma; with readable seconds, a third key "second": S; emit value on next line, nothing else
{"hour": 7, "minute": 42}
